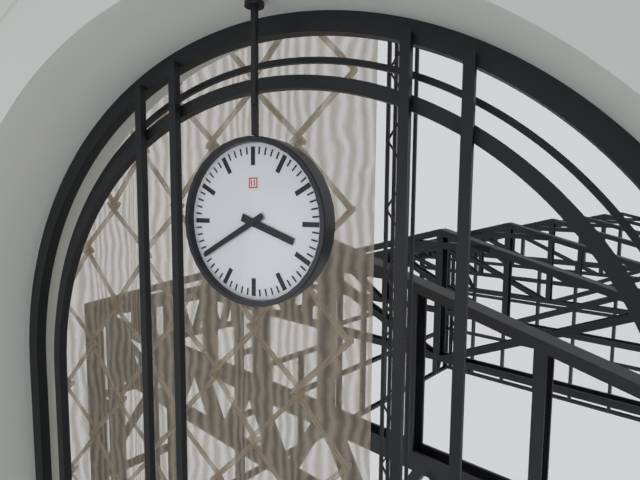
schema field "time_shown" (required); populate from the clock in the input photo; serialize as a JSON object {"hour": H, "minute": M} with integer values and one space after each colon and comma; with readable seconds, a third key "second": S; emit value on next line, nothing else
{"hour": 3, "minute": 40}
